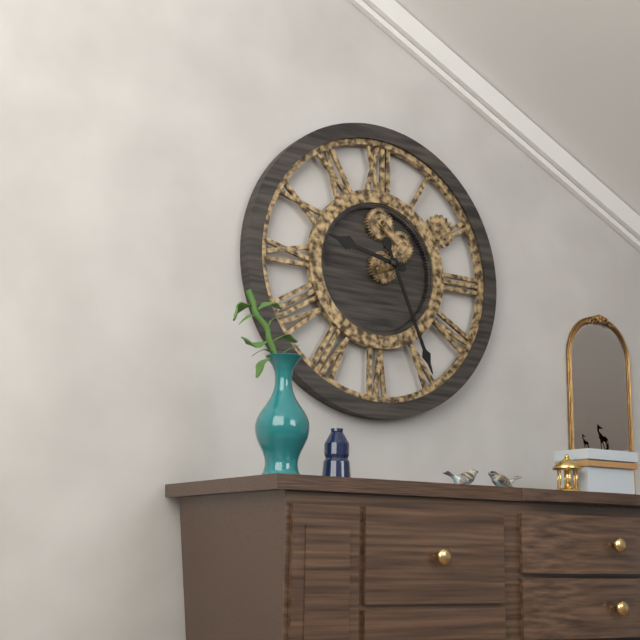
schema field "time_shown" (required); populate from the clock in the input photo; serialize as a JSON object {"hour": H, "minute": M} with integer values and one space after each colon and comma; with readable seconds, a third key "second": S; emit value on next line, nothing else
{"hour": 9, "minute": 26}
